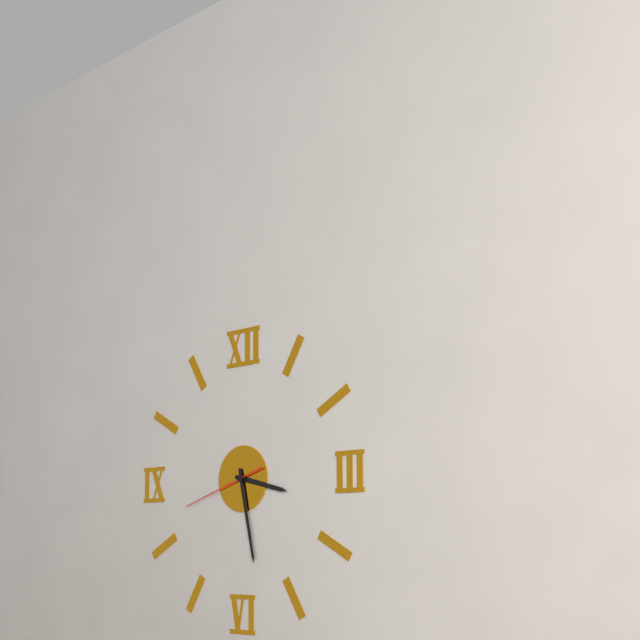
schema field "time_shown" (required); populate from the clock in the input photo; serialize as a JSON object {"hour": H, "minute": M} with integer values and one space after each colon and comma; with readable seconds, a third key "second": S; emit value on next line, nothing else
{"hour": 3, "minute": 28, "second": 42}
